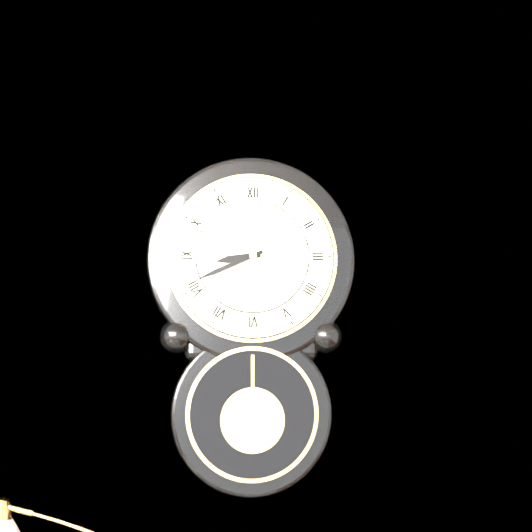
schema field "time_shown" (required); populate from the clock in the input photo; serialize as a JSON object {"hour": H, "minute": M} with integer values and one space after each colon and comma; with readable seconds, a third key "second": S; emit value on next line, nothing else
{"hour": 8, "minute": 41}
